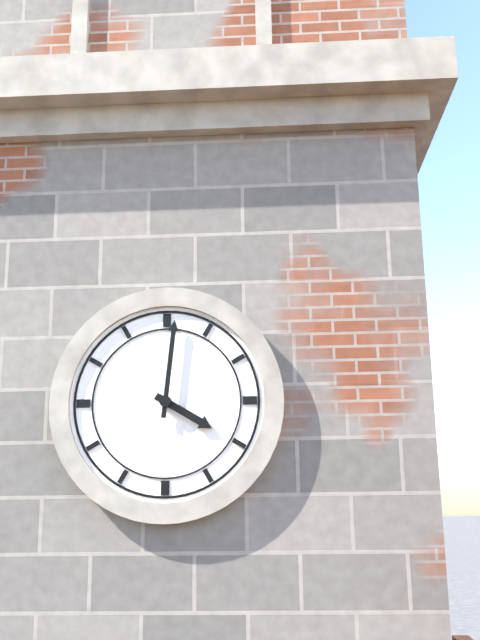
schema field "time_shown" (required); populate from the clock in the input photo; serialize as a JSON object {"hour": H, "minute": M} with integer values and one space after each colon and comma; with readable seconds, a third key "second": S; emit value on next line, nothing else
{"hour": 4, "minute": 1}
